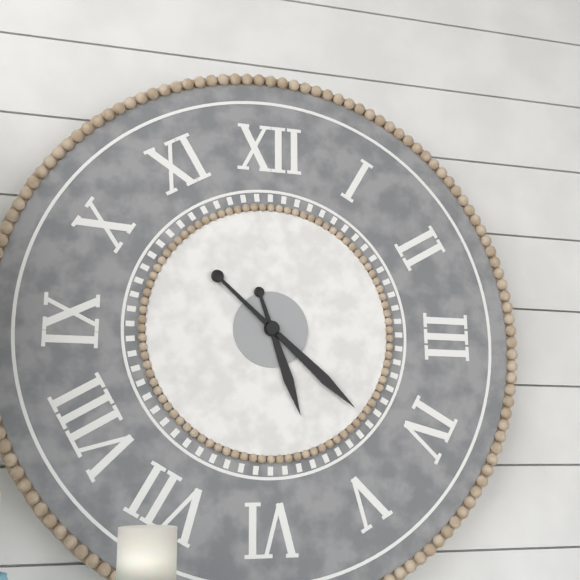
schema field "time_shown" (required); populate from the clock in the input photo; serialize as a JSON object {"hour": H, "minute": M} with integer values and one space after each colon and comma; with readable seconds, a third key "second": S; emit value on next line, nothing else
{"hour": 5, "minute": 22}
